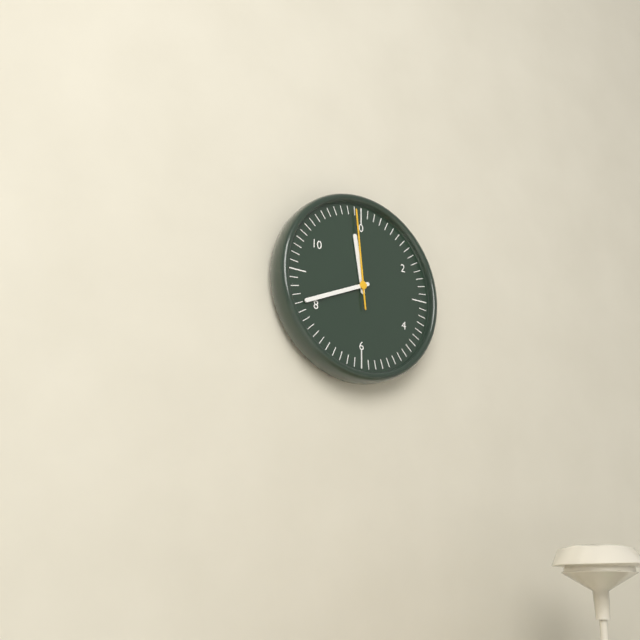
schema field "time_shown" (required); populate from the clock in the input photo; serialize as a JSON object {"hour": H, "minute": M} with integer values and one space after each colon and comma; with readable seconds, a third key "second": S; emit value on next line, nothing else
{"hour": 11, "minute": 41, "second": 59}
